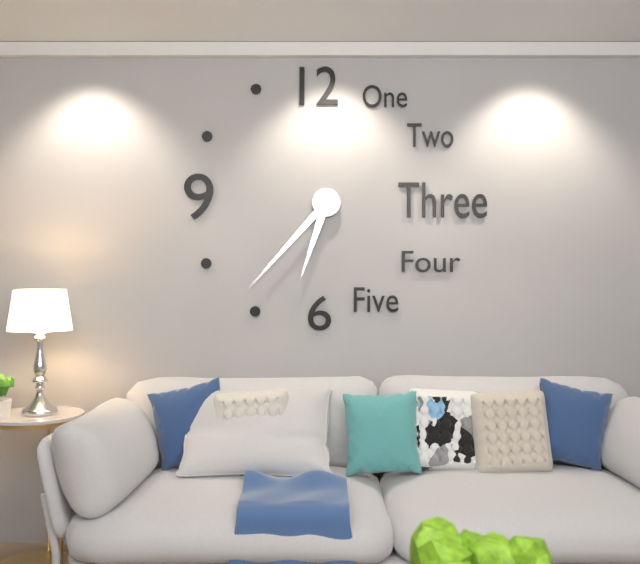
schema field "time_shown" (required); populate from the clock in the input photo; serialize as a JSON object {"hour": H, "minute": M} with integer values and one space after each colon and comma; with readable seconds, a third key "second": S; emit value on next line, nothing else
{"hour": 6, "minute": 37}
